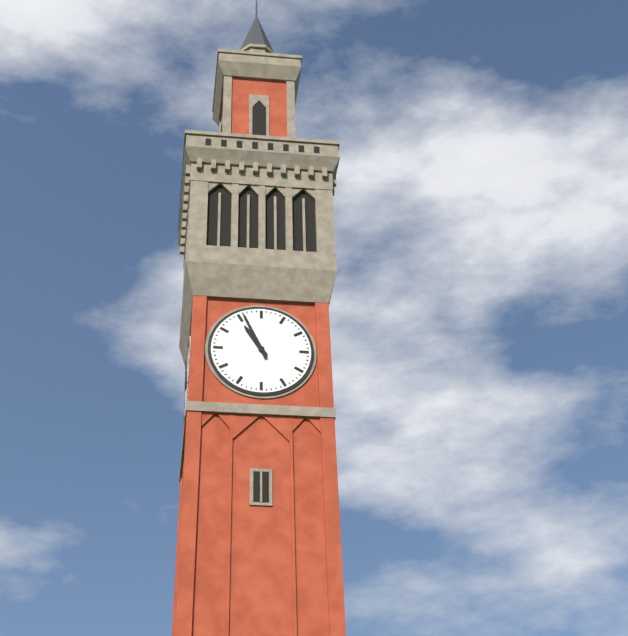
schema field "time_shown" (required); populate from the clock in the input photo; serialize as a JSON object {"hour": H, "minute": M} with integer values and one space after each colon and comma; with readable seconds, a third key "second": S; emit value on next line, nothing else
{"hour": 10, "minute": 56}
